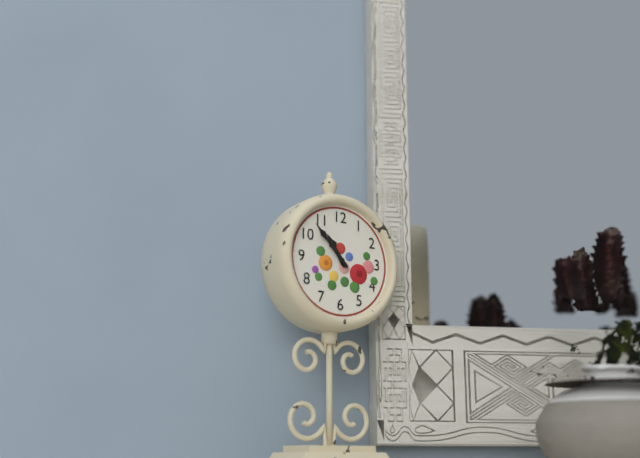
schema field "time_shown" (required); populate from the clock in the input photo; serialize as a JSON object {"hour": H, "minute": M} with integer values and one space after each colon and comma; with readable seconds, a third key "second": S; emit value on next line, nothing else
{"hour": 10, "minute": 53}
